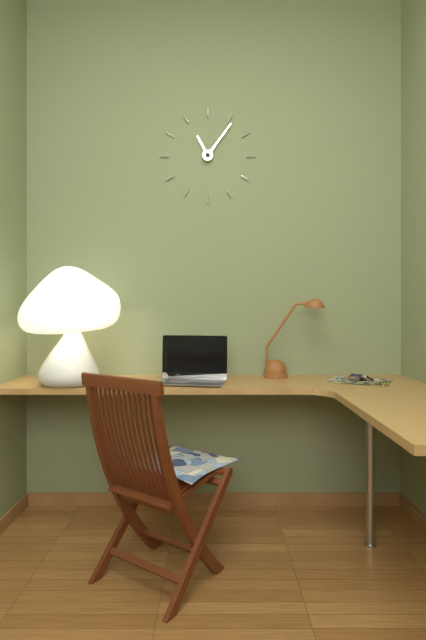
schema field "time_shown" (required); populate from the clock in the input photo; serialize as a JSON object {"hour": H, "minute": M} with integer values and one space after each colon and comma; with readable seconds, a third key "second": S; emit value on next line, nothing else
{"hour": 11, "minute": 6}
